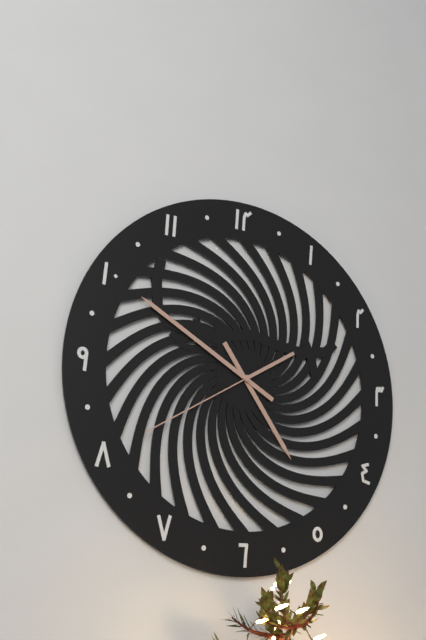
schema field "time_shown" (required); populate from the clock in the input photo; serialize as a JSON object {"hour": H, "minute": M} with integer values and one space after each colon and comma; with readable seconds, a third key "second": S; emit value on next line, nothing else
{"hour": 4, "minute": 50, "second": 40}
